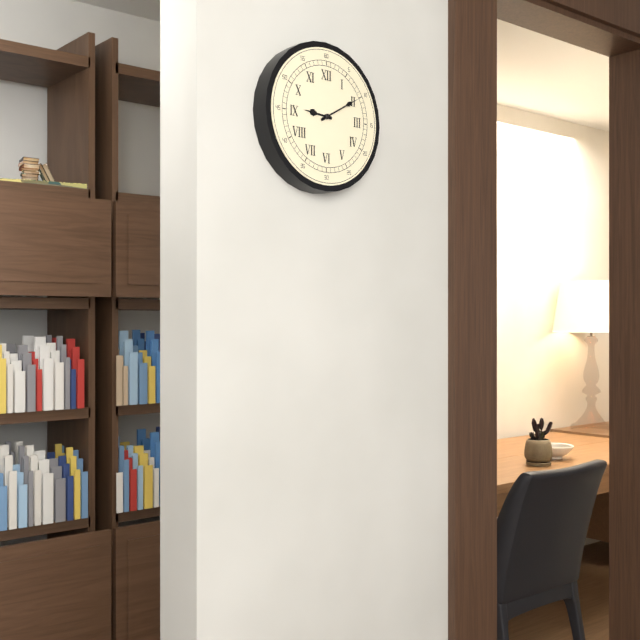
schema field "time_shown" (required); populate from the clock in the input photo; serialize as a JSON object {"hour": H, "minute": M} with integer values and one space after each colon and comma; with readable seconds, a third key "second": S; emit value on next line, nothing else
{"hour": 9, "minute": 10}
